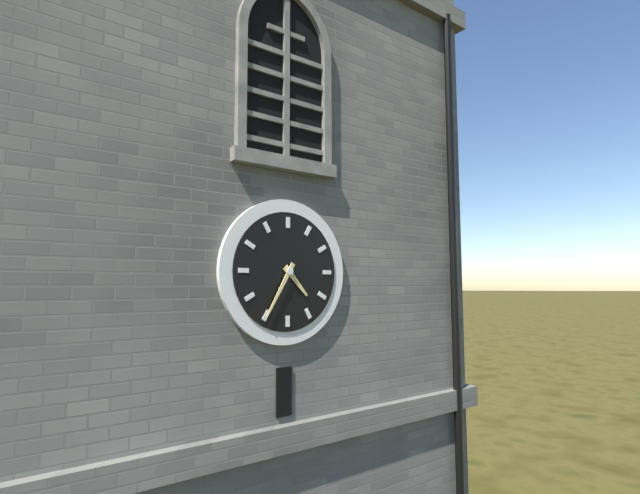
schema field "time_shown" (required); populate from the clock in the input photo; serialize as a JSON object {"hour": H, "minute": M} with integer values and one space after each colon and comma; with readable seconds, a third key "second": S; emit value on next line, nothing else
{"hour": 4, "minute": 35}
